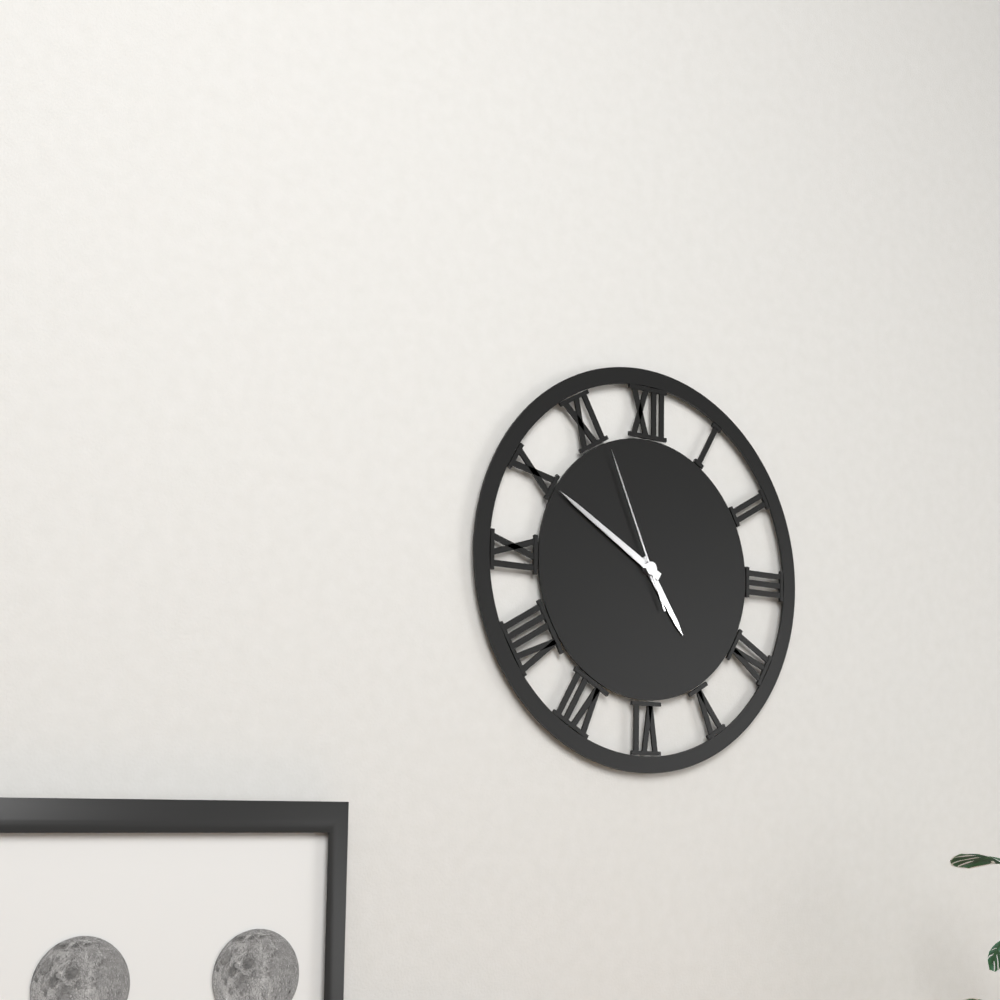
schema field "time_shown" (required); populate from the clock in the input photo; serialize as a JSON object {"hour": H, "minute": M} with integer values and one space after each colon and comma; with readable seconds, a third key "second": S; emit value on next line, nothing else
{"hour": 4, "minute": 50, "second": 56}
